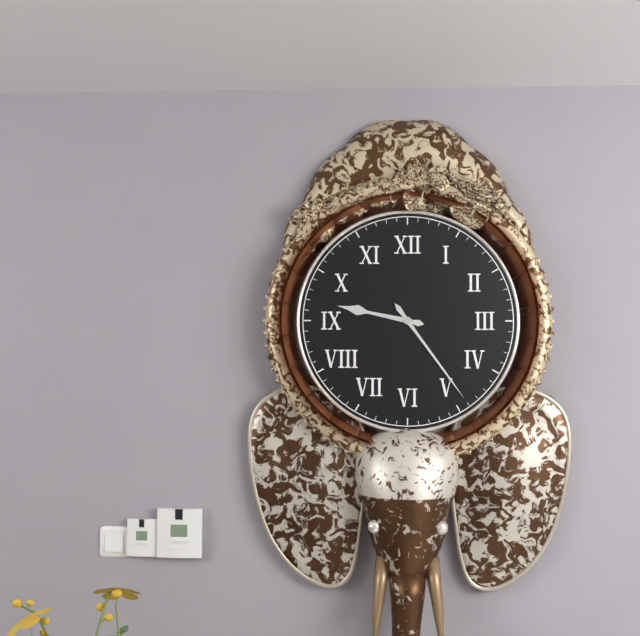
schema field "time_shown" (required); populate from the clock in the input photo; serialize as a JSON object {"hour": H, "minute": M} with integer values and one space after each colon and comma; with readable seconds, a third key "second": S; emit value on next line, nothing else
{"hour": 9, "minute": 24}
